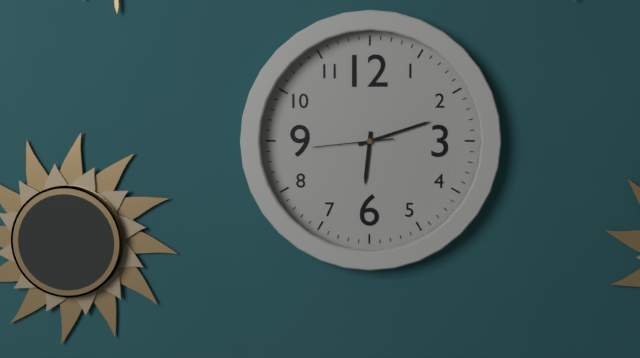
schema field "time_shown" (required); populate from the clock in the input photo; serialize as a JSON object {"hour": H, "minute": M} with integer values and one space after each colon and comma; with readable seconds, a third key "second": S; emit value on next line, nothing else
{"hour": 6, "minute": 12, "second": 44}
